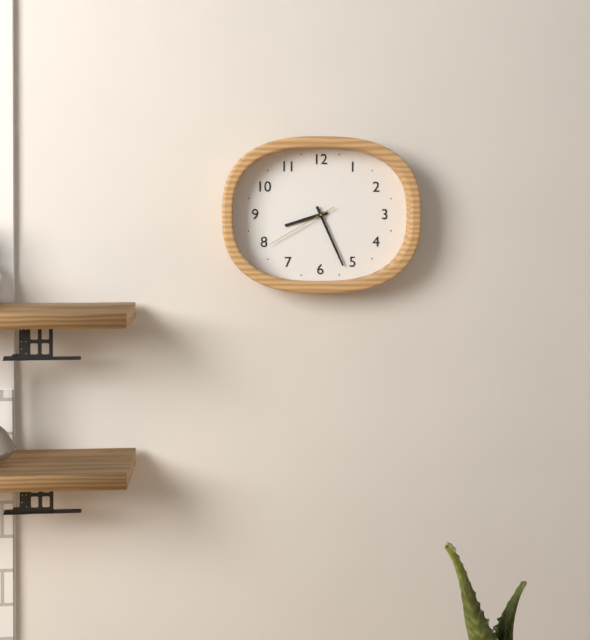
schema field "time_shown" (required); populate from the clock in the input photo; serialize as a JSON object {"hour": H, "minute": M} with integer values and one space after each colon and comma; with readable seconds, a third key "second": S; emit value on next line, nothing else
{"hour": 8, "minute": 26, "second": 40}
